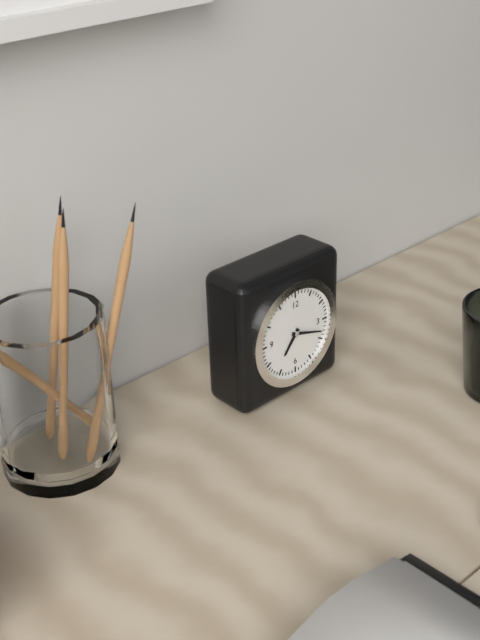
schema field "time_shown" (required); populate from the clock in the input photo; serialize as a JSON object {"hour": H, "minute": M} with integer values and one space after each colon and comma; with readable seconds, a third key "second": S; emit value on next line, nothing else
{"hour": 7, "minute": 18}
